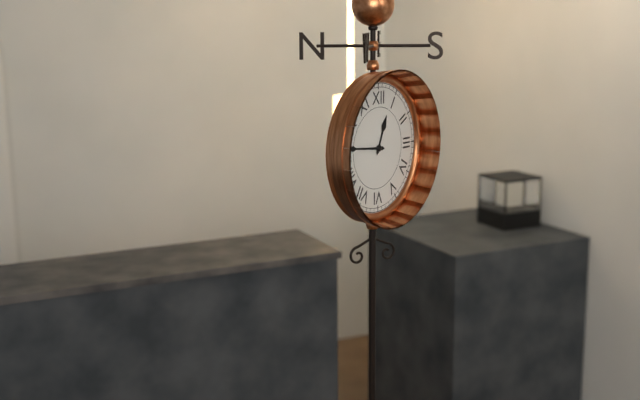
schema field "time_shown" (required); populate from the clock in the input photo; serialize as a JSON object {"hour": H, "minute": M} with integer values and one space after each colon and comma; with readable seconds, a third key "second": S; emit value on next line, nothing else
{"hour": 12, "minute": 46}
